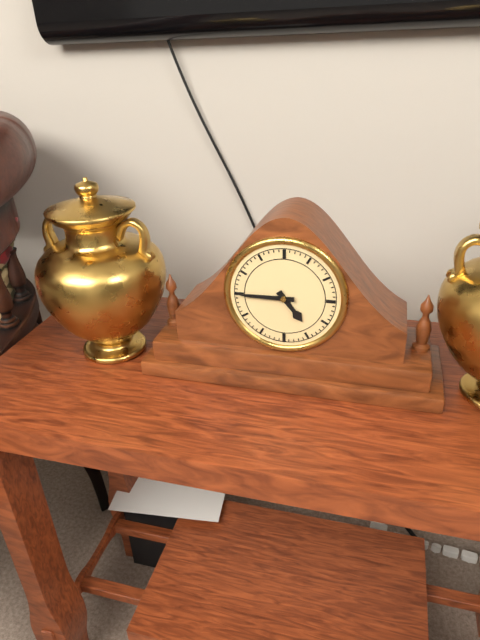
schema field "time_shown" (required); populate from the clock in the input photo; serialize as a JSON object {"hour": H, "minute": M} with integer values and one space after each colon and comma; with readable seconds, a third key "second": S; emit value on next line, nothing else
{"hour": 4, "minute": 45}
